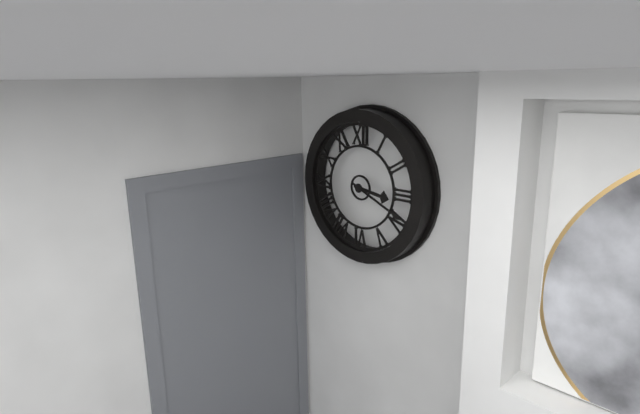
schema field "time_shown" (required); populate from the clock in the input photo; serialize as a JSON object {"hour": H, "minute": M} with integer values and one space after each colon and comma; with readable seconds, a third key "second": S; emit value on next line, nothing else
{"hour": 3, "minute": 19}
